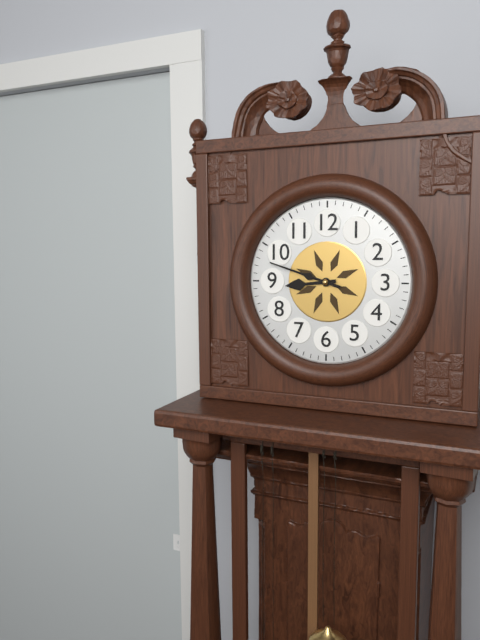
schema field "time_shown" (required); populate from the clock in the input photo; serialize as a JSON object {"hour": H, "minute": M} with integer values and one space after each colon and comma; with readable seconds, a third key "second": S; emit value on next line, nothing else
{"hour": 8, "minute": 48}
